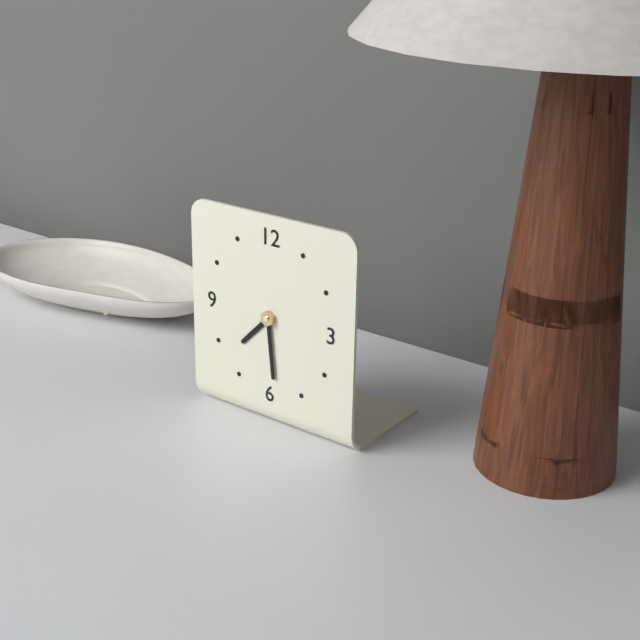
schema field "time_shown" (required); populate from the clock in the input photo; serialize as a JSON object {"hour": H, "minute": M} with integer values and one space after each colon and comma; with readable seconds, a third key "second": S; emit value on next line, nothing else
{"hour": 7, "minute": 29}
